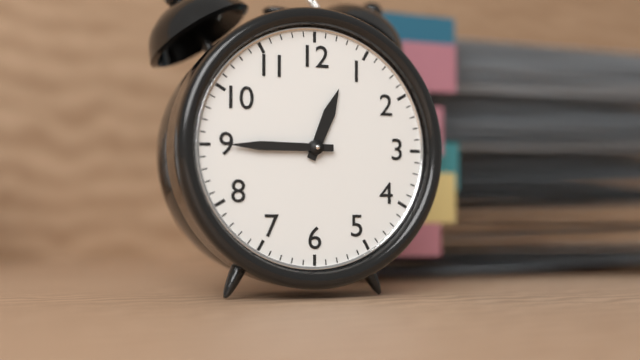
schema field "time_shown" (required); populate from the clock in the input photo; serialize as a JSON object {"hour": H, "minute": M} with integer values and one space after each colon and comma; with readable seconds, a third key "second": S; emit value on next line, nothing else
{"hour": 12, "minute": 45}
